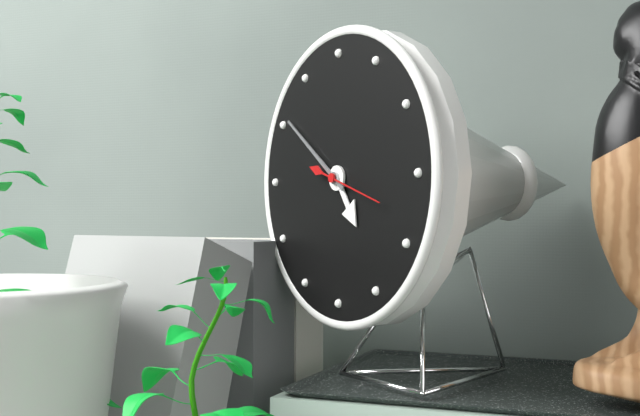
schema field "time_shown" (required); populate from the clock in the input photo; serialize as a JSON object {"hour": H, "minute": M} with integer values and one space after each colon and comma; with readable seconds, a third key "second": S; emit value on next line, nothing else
{"hour": 4, "minute": 51, "second": 18}
